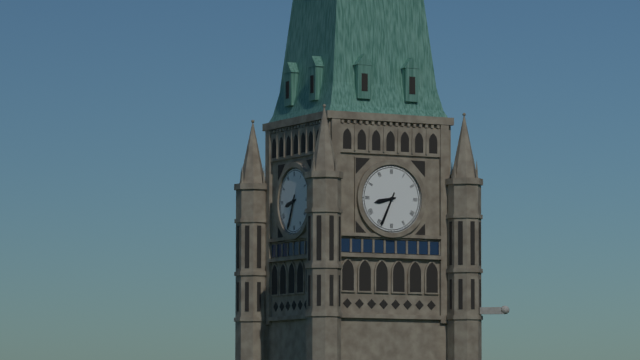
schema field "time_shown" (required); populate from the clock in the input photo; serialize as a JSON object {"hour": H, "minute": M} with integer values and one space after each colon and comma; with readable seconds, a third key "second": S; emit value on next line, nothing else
{"hour": 8, "minute": 34}
